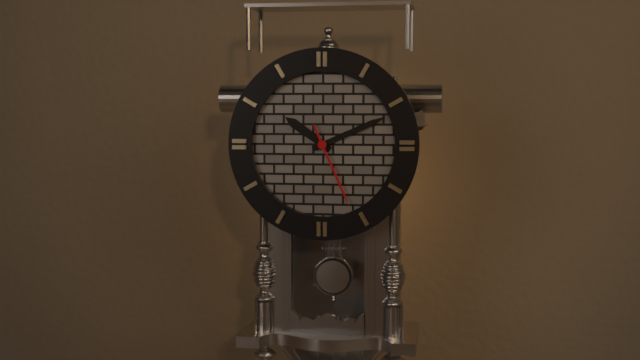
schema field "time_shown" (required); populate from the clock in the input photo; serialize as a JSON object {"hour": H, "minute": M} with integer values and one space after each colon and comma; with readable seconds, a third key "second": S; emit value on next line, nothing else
{"hour": 10, "minute": 11, "second": 26}
